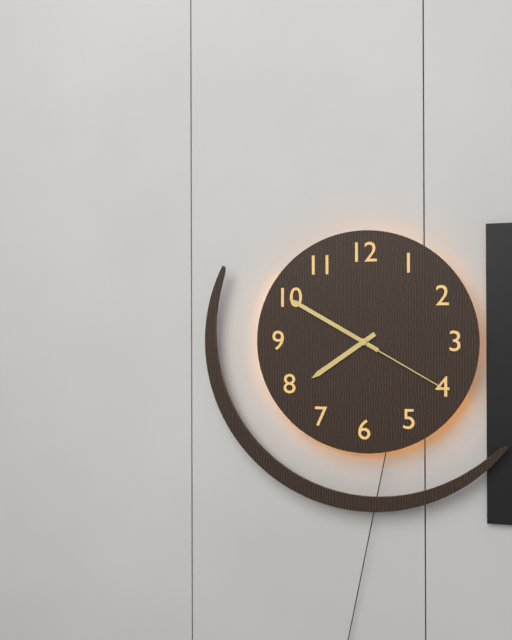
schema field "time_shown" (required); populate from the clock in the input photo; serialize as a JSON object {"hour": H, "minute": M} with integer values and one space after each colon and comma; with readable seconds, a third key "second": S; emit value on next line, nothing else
{"hour": 7, "minute": 50, "second": 20}
